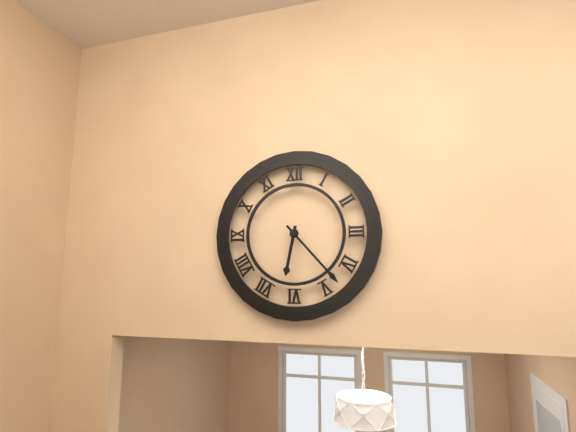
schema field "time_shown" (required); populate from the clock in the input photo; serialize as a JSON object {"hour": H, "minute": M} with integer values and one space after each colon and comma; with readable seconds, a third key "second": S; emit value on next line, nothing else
{"hour": 6, "minute": 23}
